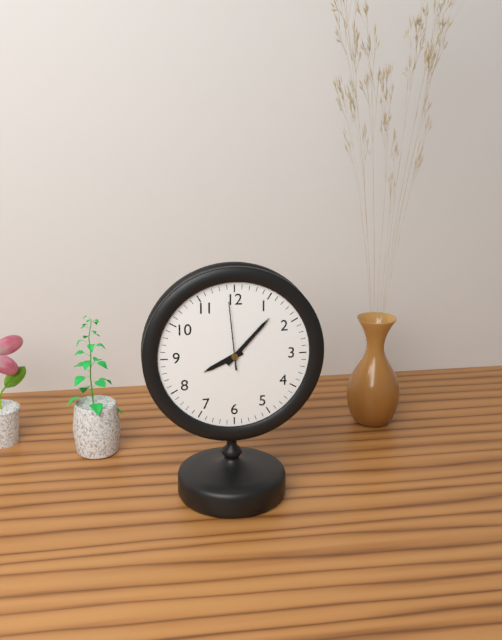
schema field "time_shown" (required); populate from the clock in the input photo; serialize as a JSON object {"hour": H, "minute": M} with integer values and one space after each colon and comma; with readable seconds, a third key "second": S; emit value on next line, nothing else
{"hour": 8, "minute": 7, "second": 59}
